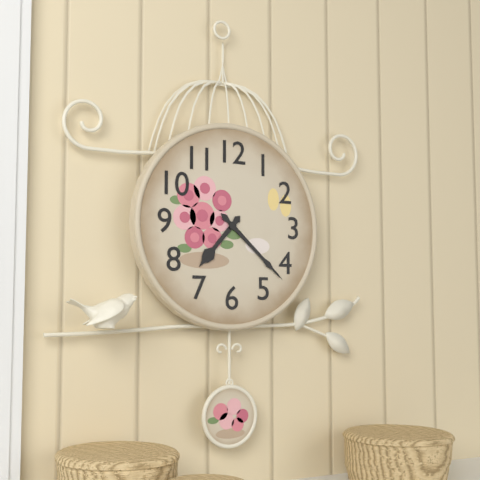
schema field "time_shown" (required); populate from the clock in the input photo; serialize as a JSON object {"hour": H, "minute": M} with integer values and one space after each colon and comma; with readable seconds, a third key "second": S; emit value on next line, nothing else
{"hour": 7, "minute": 22}
